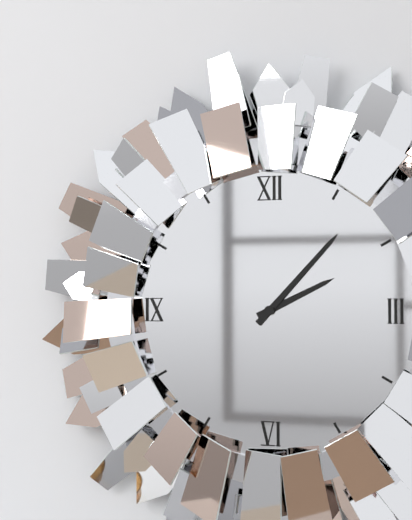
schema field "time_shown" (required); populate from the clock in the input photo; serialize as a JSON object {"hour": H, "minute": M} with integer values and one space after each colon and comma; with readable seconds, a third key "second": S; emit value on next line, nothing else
{"hour": 2, "minute": 7}
